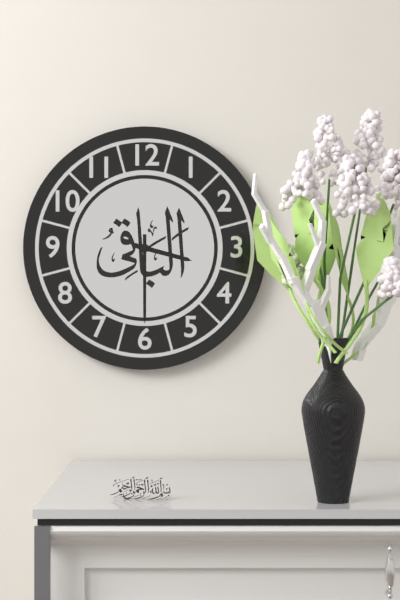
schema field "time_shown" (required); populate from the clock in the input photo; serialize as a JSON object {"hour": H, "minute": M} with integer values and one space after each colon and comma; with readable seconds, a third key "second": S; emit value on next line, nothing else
{"hour": 3, "minute": 30}
